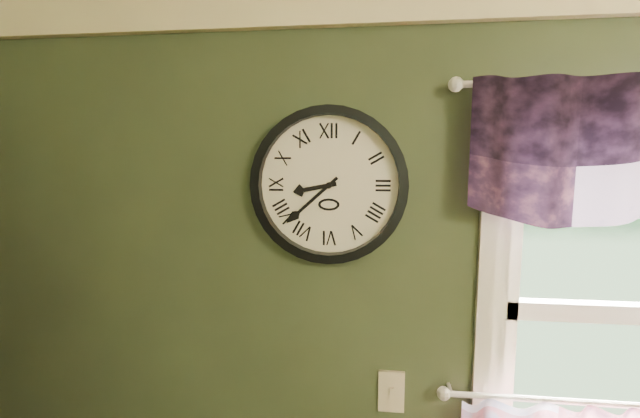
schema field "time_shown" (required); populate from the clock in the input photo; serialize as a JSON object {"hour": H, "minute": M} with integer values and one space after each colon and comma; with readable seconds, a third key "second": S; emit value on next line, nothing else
{"hour": 8, "minute": 38}
